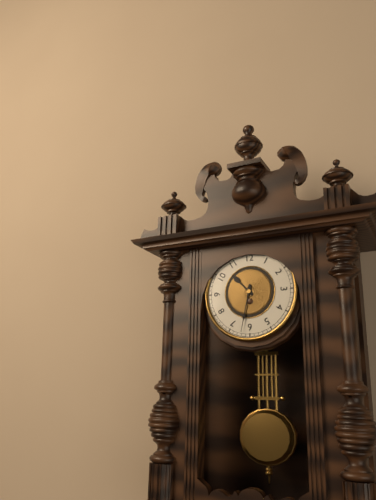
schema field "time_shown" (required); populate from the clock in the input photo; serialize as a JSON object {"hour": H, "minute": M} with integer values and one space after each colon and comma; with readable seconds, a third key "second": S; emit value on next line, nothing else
{"hour": 10, "minute": 32}
